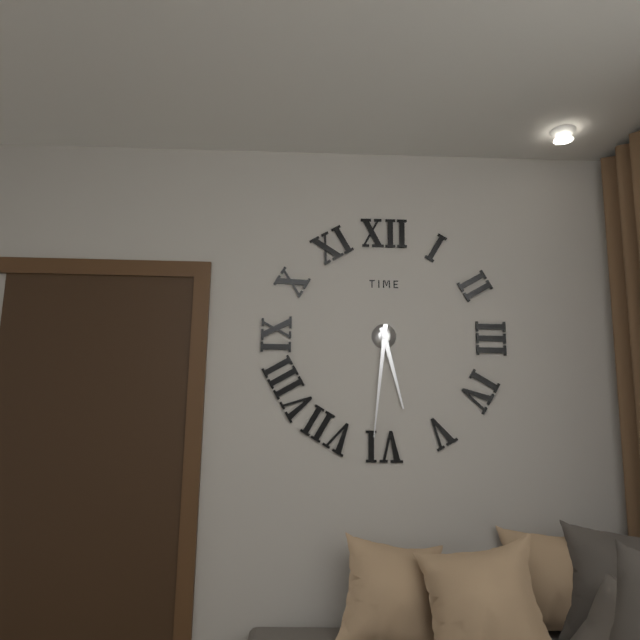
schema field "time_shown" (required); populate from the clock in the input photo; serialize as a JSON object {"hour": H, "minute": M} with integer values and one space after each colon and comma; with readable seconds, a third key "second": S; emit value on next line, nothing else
{"hour": 5, "minute": 31}
